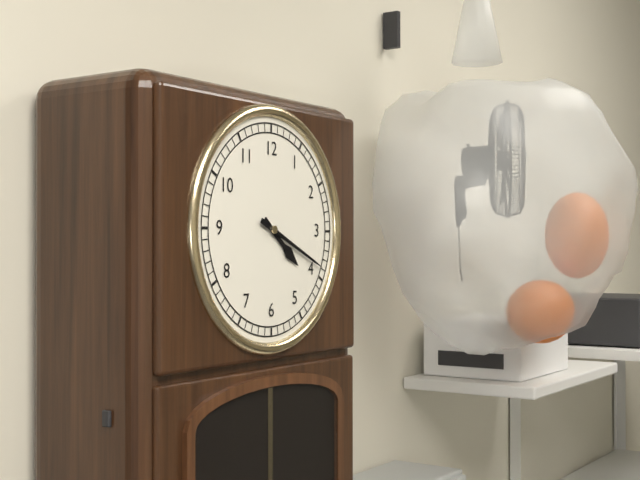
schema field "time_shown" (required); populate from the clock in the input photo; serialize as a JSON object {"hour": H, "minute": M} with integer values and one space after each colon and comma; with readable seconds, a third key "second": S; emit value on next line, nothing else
{"hour": 4, "minute": 19}
